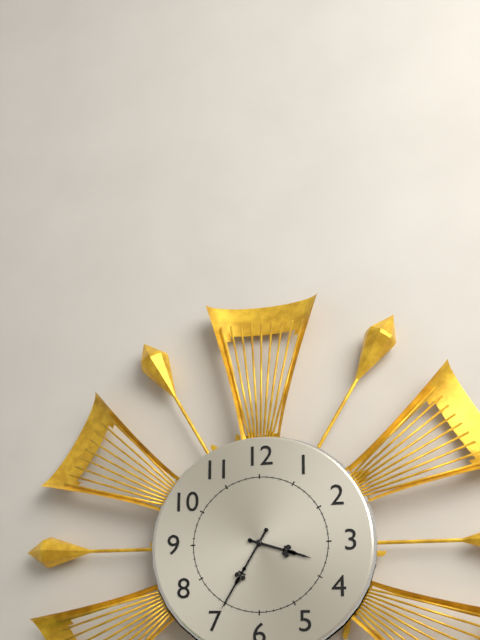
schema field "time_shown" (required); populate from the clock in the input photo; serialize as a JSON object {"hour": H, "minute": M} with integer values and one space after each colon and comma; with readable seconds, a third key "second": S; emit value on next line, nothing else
{"hour": 3, "minute": 35}
